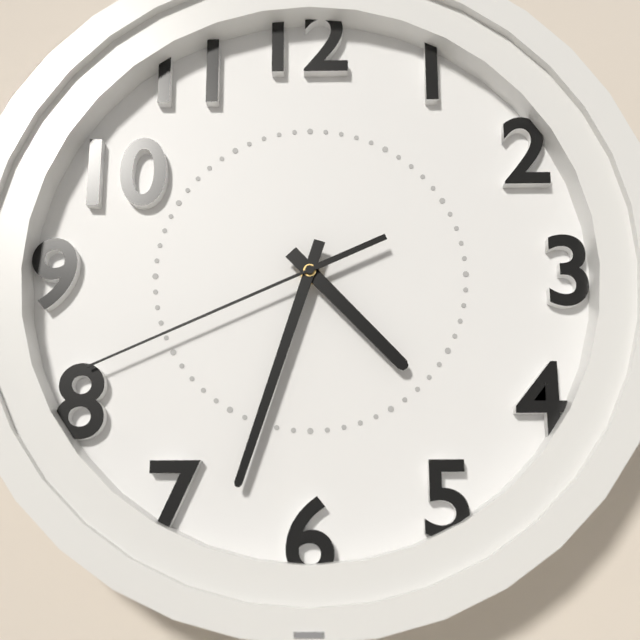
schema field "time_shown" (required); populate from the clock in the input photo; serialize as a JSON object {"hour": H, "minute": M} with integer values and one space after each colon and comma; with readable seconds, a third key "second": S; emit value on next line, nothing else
{"hour": 4, "minute": 33, "second": 41}
